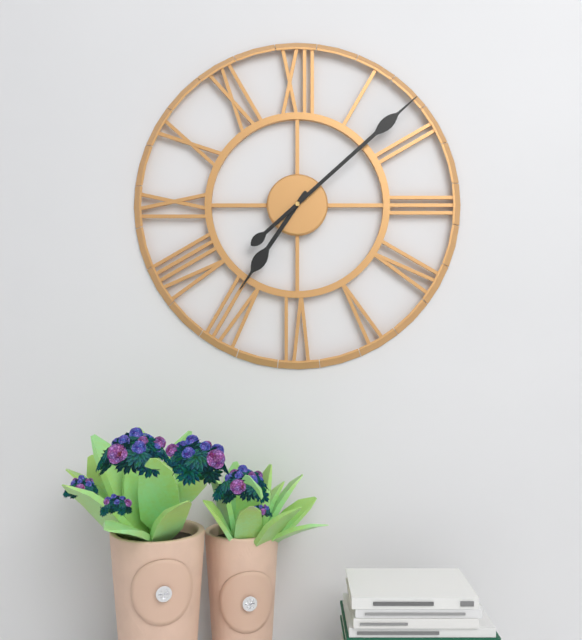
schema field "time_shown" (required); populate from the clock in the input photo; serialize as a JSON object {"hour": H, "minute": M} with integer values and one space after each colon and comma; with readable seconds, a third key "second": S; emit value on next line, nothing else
{"hour": 7, "minute": 8}
